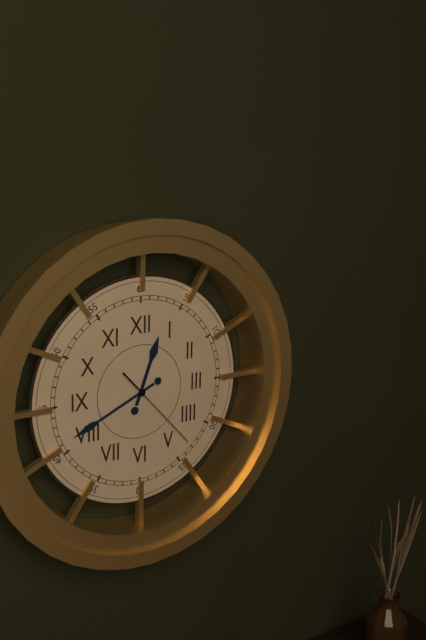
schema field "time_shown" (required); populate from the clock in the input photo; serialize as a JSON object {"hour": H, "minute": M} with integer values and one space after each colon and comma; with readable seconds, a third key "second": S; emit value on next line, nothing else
{"hour": 12, "minute": 41, "second": 23}
